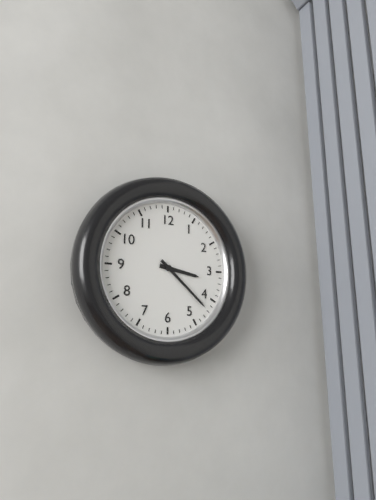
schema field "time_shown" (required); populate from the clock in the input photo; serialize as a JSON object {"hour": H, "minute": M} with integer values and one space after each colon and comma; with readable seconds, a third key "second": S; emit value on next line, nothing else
{"hour": 3, "minute": 22}
